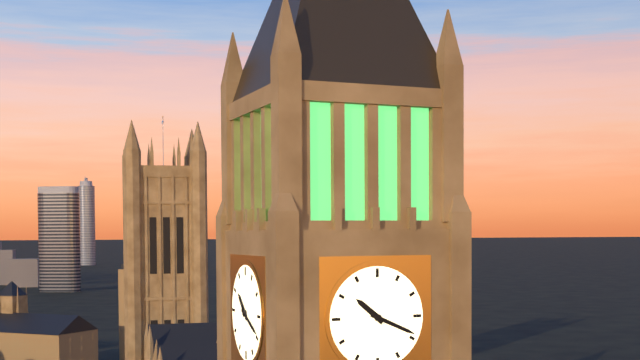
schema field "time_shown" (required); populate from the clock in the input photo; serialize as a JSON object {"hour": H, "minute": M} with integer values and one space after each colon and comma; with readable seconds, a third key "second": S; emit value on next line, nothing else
{"hour": 10, "minute": 19}
